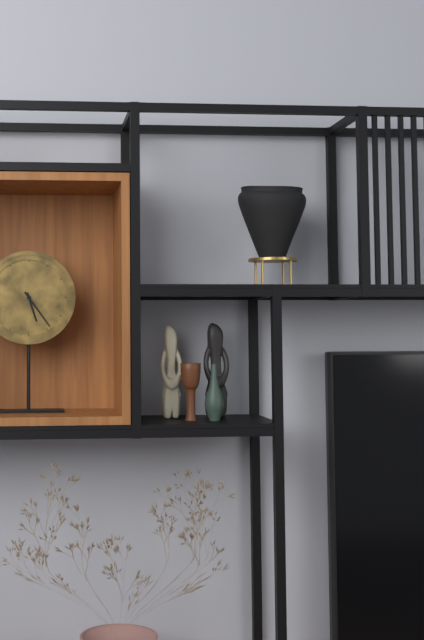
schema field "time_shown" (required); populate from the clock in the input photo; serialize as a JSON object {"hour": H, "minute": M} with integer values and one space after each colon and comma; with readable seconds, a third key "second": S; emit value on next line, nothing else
{"hour": 5, "minute": 24}
